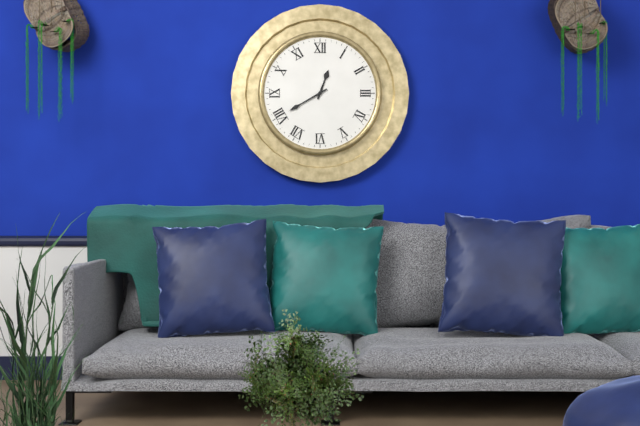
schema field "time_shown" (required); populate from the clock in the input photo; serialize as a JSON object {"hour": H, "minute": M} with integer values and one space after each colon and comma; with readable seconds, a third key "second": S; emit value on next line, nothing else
{"hour": 12, "minute": 40}
